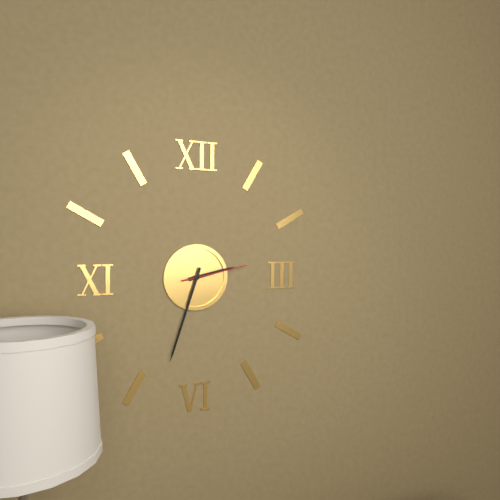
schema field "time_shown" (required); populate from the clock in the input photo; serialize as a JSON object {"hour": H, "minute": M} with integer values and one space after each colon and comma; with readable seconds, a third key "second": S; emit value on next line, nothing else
{"hour": 2, "minute": 33, "second": 13}
